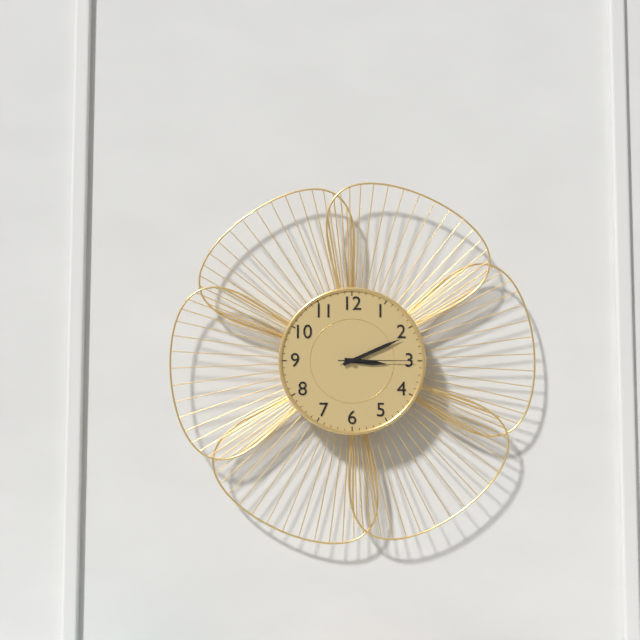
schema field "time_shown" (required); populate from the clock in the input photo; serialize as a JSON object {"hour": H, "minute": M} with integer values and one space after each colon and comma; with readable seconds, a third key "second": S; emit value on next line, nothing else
{"hour": 3, "minute": 11, "second": 15}
